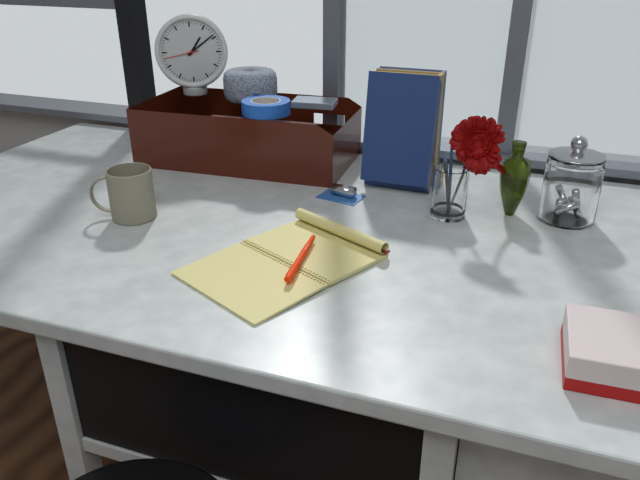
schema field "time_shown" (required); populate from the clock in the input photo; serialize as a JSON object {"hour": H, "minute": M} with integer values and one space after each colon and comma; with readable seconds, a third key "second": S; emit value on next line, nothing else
{"hour": 1, "minute": 9}
